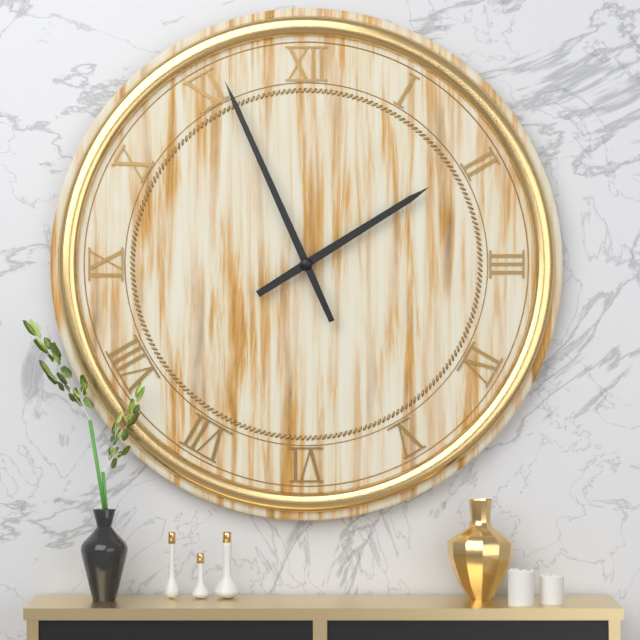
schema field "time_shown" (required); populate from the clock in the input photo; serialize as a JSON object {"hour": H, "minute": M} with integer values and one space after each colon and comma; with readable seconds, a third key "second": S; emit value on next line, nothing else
{"hour": 1, "minute": 56}
